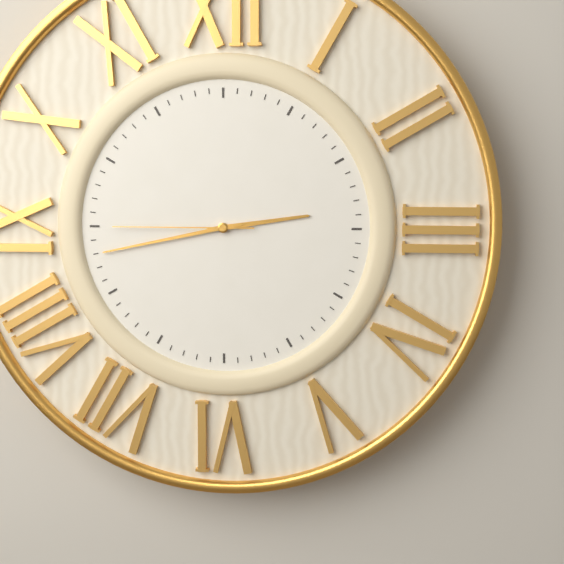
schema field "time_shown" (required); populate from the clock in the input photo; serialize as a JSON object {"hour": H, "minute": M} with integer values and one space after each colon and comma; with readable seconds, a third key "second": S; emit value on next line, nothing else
{"hour": 2, "minute": 43, "second": 45}
